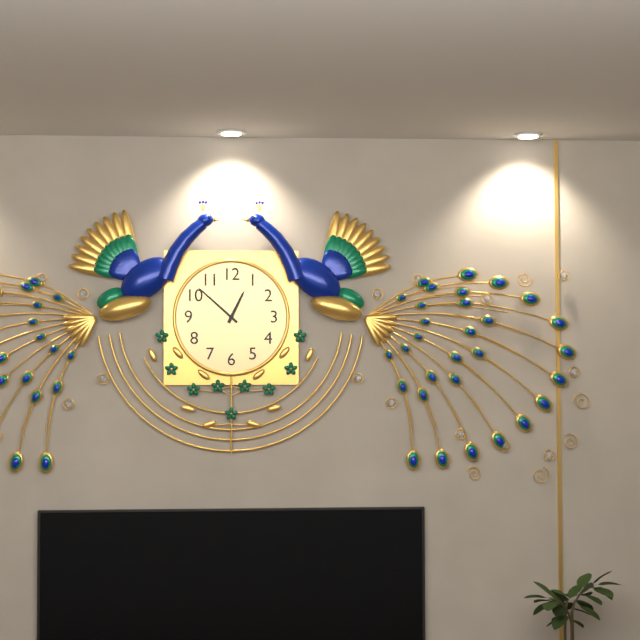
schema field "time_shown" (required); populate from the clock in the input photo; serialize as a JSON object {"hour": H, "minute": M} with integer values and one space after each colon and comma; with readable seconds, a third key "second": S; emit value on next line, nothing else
{"hour": 12, "minute": 52}
